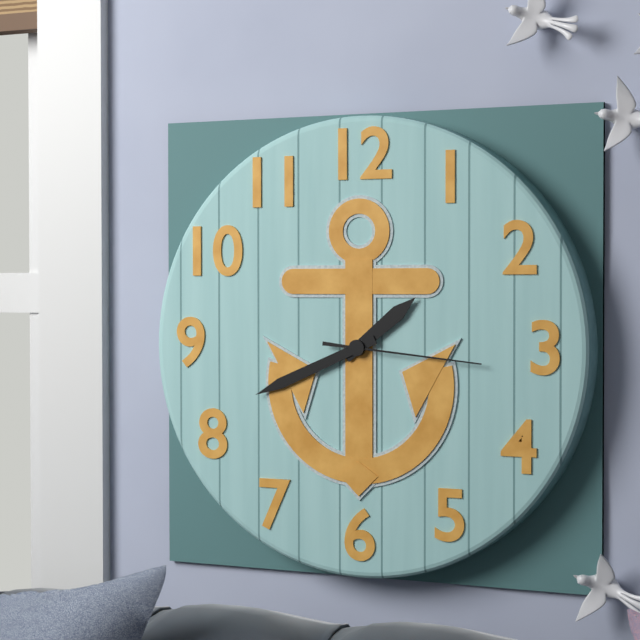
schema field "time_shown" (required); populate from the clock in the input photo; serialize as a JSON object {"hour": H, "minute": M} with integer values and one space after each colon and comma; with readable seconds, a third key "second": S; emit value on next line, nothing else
{"hour": 1, "minute": 41, "second": 16}
